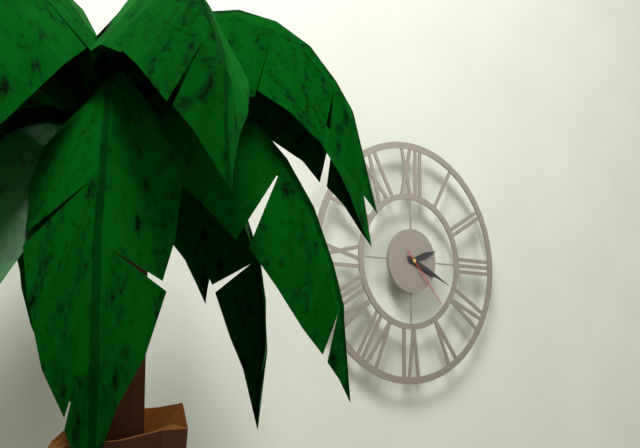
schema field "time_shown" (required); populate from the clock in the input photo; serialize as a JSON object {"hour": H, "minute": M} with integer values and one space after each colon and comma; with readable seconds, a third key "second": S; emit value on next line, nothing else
{"hour": 2, "minute": 19, "second": 23}
